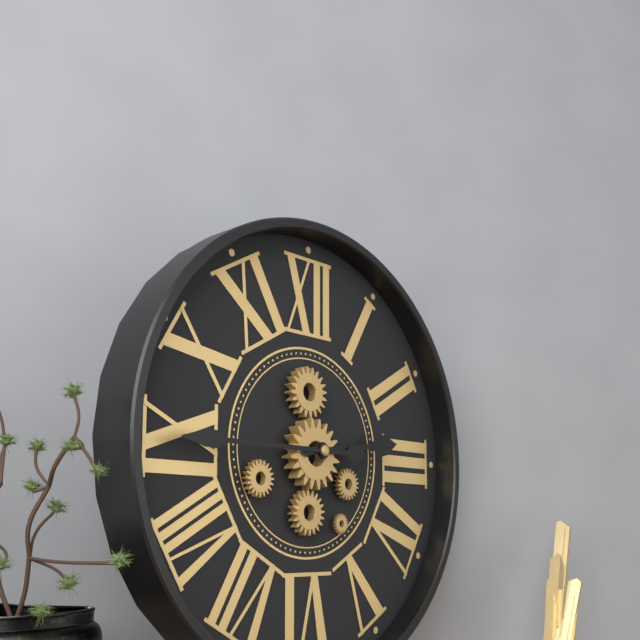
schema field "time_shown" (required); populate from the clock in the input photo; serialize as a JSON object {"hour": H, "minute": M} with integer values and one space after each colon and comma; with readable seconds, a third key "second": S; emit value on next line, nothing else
{"hour": 2, "minute": 45}
